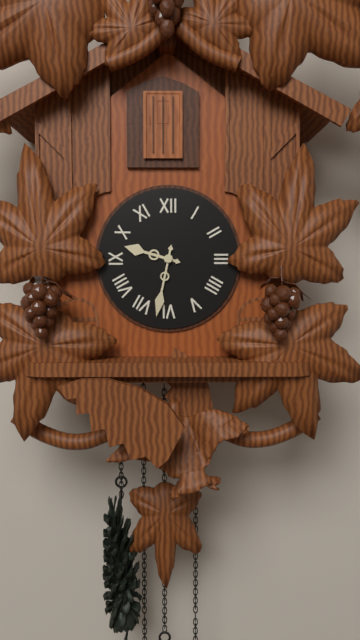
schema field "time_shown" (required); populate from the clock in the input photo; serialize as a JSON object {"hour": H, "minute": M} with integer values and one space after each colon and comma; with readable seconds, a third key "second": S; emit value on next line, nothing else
{"hour": 9, "minute": 32}
